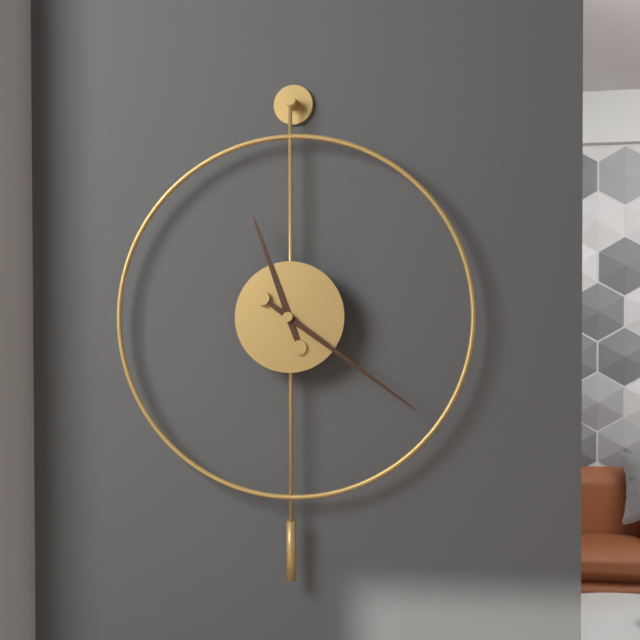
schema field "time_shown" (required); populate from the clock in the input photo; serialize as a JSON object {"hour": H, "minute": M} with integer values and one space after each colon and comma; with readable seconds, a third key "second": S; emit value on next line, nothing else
{"hour": 11, "minute": 21}
